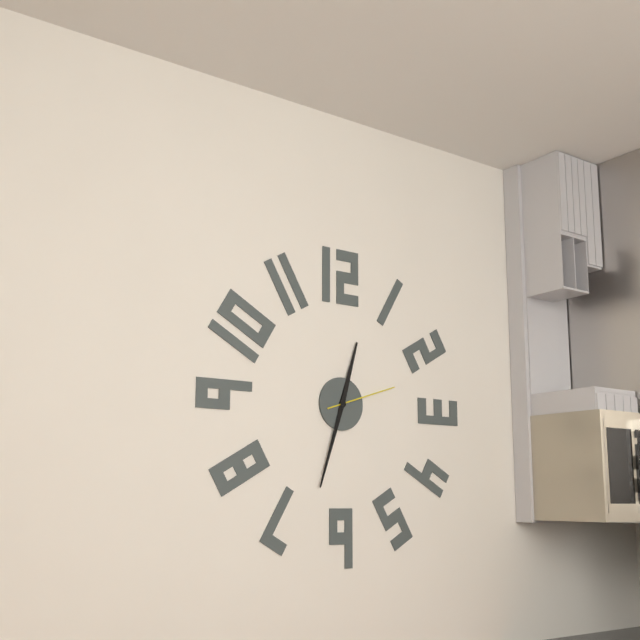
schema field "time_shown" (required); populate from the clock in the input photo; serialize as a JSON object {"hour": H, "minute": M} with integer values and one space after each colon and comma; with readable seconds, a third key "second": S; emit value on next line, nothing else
{"hour": 12, "minute": 33, "second": 12}
